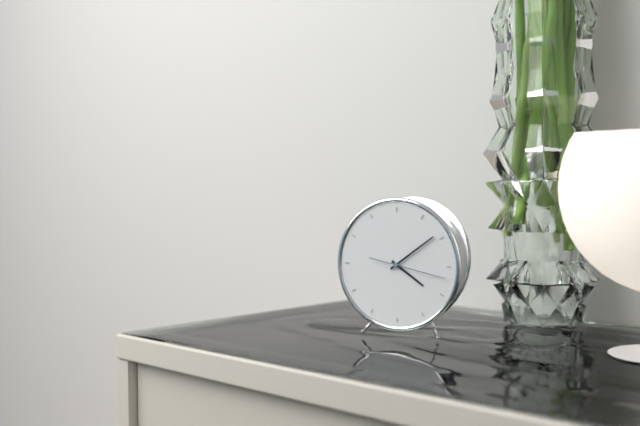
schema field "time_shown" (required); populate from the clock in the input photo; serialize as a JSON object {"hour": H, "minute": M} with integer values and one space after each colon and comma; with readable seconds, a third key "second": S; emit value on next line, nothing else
{"hour": 4, "minute": 9, "second": 17}
